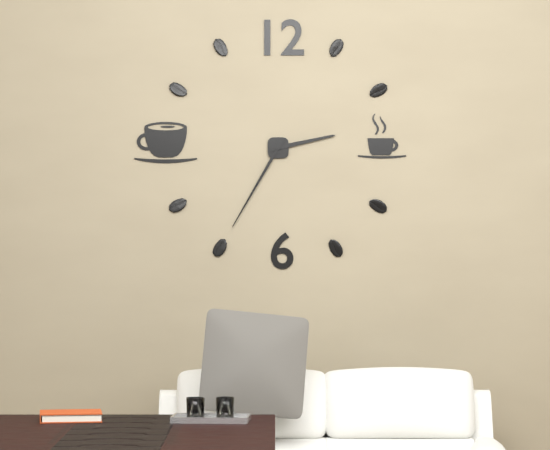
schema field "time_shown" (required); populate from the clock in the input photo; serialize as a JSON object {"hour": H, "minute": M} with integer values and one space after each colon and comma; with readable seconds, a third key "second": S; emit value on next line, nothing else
{"hour": 2, "minute": 35}
